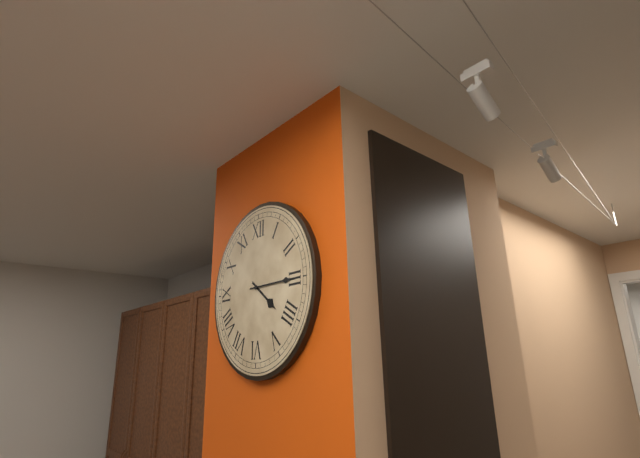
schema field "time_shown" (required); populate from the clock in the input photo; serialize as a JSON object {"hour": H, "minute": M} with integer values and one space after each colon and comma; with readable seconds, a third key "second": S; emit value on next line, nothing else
{"hour": 4, "minute": 15}
